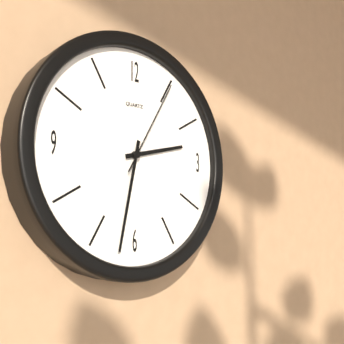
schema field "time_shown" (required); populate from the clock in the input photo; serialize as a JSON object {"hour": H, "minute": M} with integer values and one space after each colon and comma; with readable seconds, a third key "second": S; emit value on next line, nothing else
{"hour": 2, "minute": 32, "second": 5}
